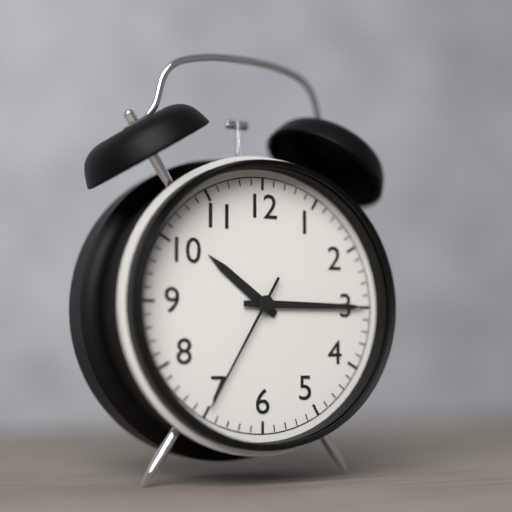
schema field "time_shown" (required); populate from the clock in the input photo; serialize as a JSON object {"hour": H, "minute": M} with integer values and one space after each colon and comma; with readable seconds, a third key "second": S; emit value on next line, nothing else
{"hour": 10, "minute": 15, "second": 35}
